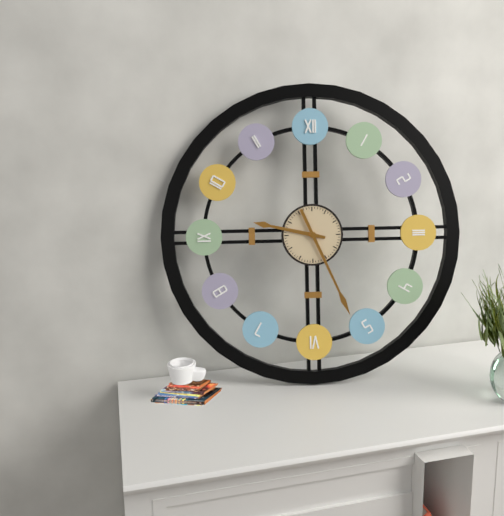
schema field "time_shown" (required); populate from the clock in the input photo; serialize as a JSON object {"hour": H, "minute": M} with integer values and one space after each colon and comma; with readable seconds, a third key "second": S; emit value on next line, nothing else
{"hour": 9, "minute": 26}
